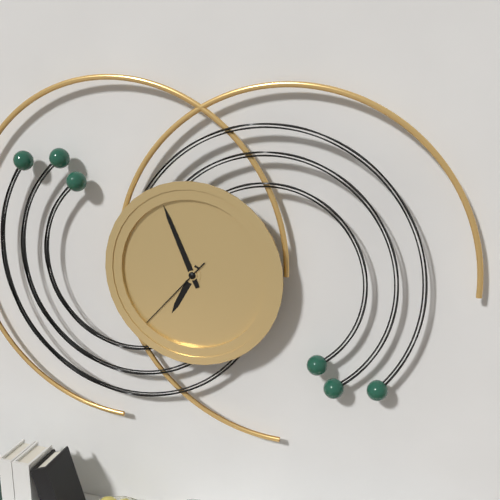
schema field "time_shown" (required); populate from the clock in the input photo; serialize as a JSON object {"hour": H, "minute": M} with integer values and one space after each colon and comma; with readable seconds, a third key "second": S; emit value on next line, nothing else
{"hour": 6, "minute": 56, "second": 37}
